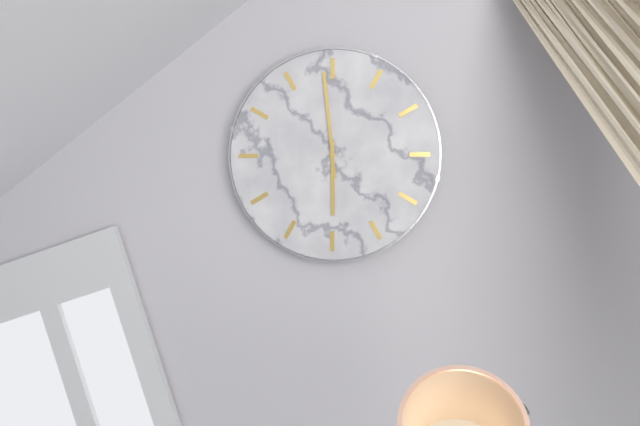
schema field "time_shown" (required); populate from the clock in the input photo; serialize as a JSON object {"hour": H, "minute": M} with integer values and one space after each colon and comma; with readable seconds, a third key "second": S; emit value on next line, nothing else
{"hour": 5, "minute": 59}
